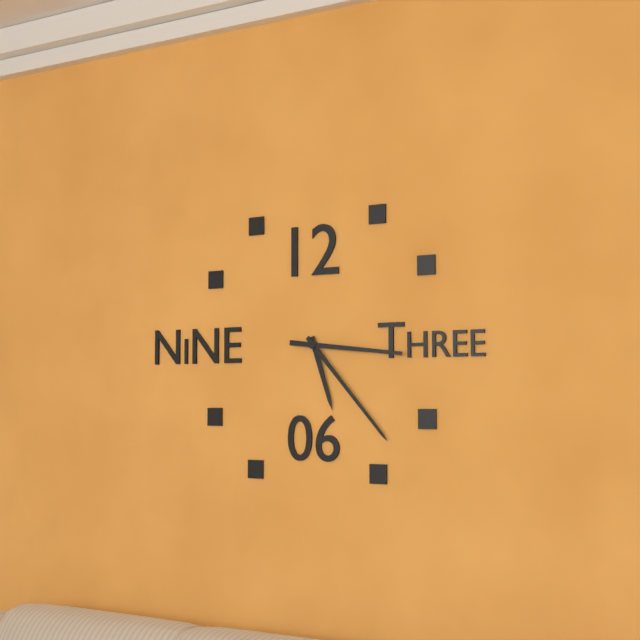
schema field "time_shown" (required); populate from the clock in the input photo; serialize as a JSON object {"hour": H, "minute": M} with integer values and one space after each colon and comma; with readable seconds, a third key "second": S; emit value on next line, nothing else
{"hour": 5, "minute": 23, "second": 16}
